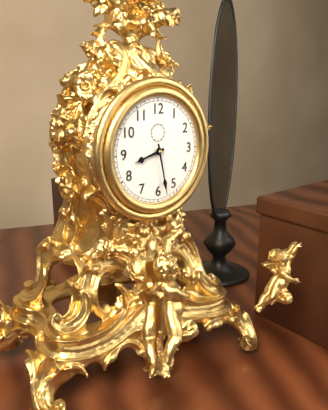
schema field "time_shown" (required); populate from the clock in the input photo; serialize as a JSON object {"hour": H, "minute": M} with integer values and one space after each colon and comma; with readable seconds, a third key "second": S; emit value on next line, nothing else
{"hour": 8, "minute": 28}
